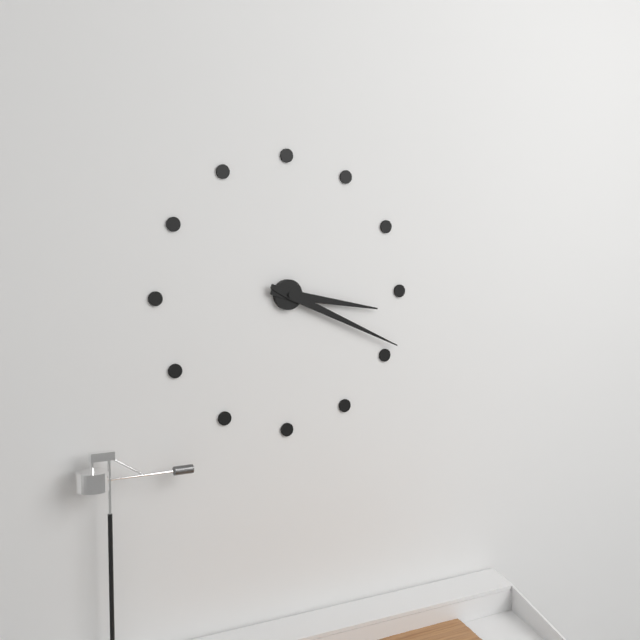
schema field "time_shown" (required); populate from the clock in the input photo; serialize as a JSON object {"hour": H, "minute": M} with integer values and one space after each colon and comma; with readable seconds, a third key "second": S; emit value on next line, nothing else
{"hour": 3, "minute": 19}
